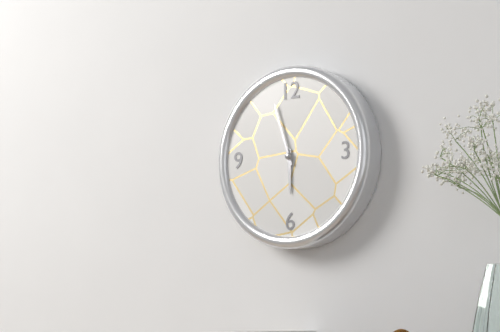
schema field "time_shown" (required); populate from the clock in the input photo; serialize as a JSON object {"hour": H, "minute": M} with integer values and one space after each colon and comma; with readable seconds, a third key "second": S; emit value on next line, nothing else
{"hour": 5, "minute": 57}
